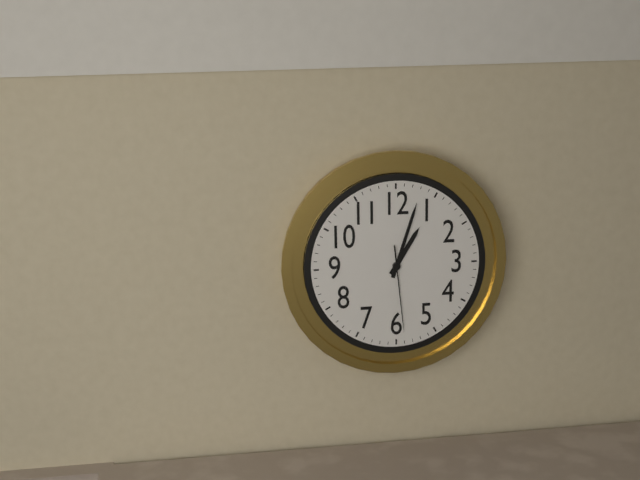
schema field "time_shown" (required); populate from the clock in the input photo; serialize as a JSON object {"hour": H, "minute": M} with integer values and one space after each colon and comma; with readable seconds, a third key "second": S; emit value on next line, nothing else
{"hour": 1, "minute": 3, "second": 29}
